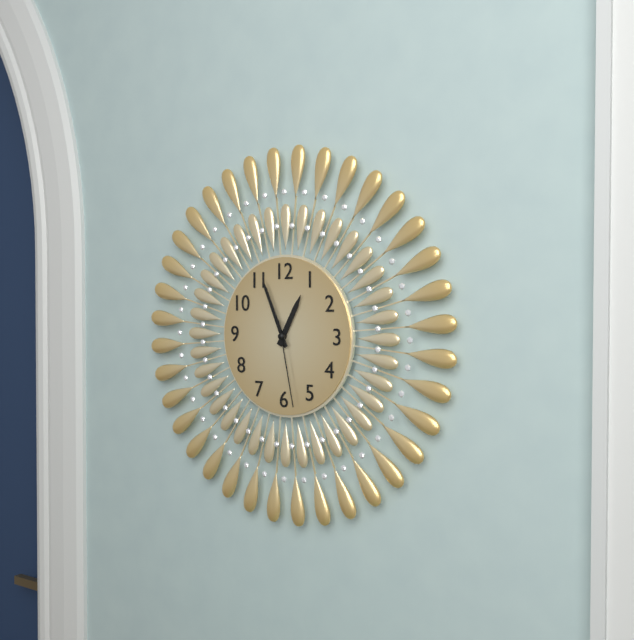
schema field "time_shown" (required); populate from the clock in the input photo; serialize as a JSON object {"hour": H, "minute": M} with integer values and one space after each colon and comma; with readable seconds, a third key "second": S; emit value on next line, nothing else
{"hour": 12, "minute": 56, "second": 28}
